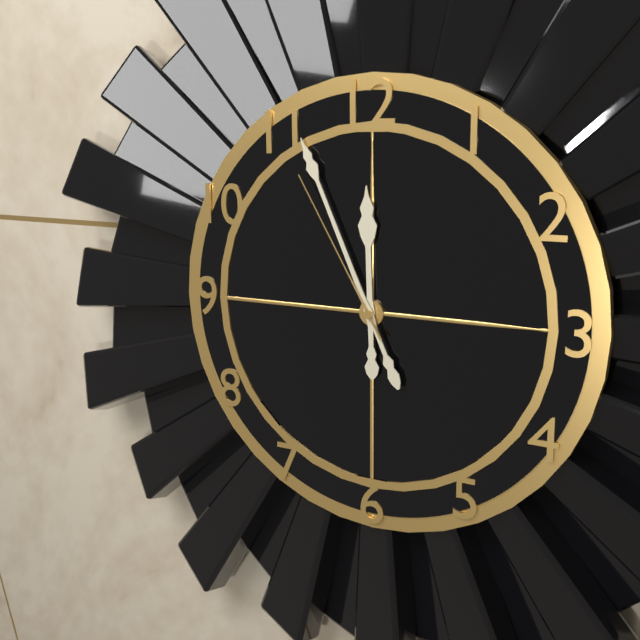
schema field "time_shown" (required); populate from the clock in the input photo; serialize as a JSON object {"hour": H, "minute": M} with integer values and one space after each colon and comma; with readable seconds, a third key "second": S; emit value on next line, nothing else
{"hour": 11, "minute": 56, "second": 55}
